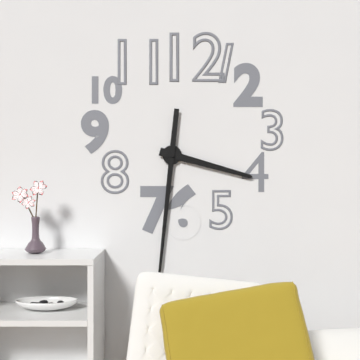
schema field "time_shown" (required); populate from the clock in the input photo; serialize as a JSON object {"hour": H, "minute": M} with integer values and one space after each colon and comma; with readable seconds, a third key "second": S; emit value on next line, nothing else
{"hour": 3, "minute": 31}
